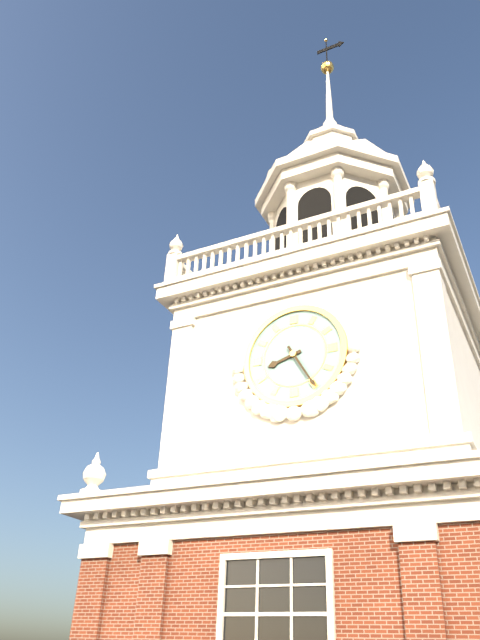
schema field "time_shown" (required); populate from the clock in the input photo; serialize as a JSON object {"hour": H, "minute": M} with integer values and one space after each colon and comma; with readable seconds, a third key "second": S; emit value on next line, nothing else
{"hour": 8, "minute": 25}
